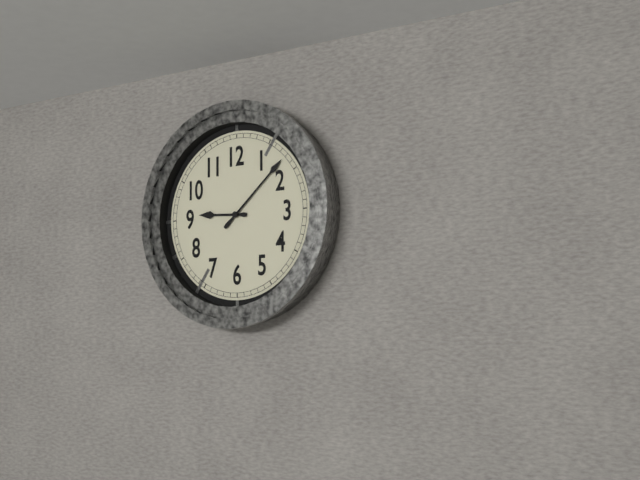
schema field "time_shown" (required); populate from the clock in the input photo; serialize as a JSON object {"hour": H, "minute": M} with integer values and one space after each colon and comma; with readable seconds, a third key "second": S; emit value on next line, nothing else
{"hour": 9, "minute": 8}
